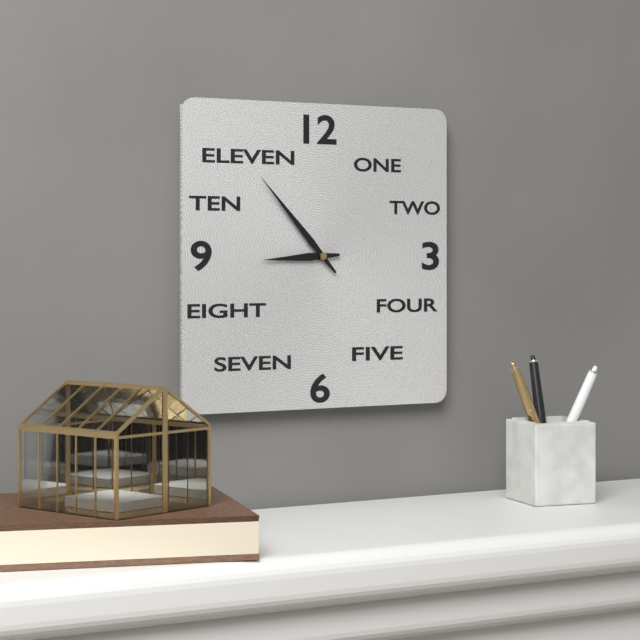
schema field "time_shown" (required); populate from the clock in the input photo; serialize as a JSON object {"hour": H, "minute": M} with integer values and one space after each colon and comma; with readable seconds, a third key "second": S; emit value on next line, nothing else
{"hour": 8, "minute": 53}
